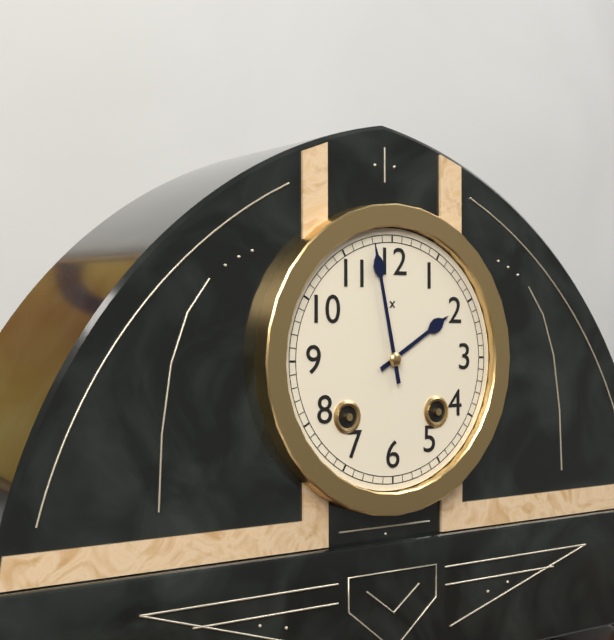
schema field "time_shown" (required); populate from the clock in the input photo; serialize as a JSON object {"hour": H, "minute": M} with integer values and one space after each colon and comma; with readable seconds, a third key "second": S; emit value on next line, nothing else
{"hour": 1, "minute": 58}
